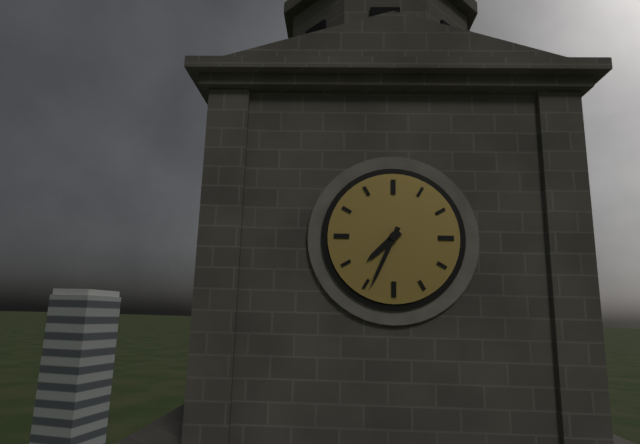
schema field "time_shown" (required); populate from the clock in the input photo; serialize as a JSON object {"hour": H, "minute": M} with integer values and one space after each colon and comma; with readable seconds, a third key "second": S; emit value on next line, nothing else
{"hour": 7, "minute": 34}
